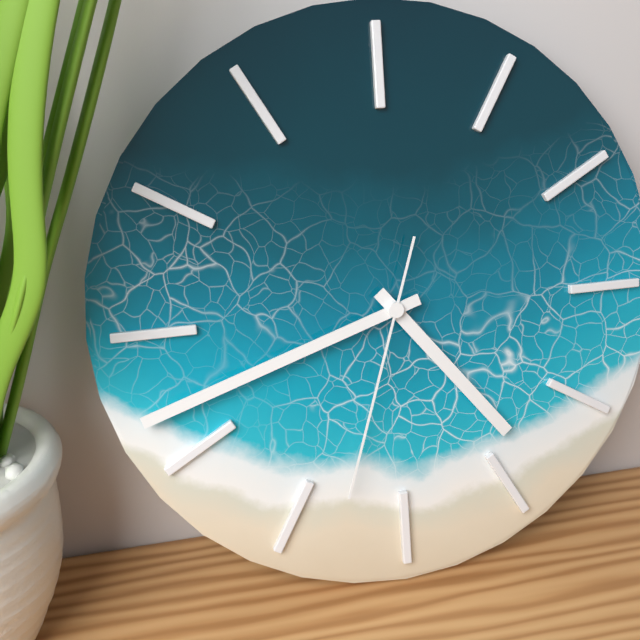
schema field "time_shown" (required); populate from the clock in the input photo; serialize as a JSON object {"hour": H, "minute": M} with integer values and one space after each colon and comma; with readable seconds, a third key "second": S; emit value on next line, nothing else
{"hour": 4, "minute": 42, "second": 33}
